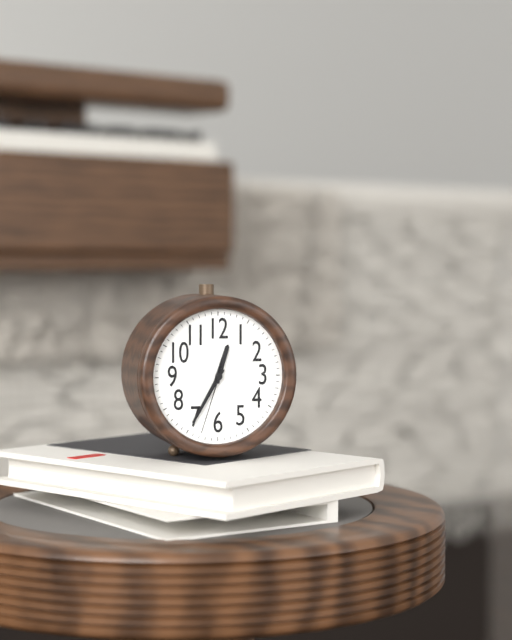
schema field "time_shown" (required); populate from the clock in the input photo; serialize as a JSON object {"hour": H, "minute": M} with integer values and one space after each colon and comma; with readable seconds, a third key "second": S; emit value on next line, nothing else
{"hour": 12, "minute": 35, "second": 33}
